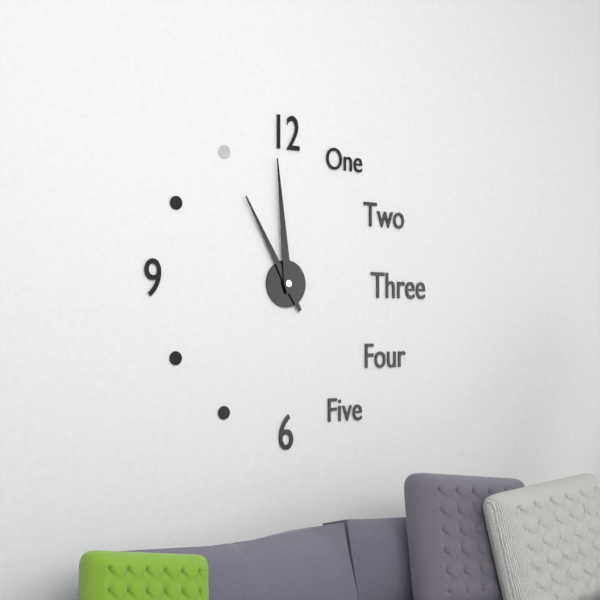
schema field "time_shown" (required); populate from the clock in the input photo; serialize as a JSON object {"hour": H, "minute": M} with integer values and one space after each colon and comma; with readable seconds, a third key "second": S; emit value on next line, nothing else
{"hour": 10, "minute": 59}
